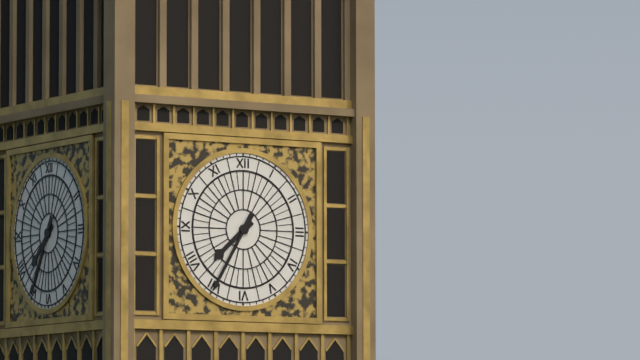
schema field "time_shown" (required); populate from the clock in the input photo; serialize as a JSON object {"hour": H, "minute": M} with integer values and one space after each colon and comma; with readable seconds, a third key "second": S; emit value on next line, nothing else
{"hour": 7, "minute": 35}
